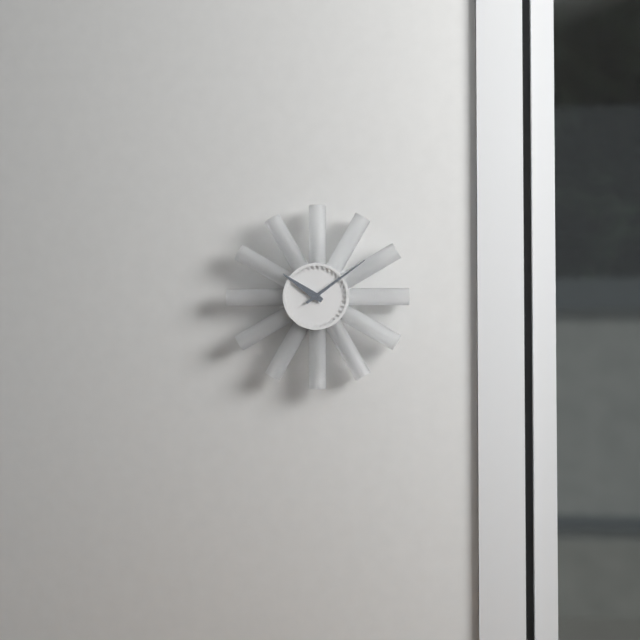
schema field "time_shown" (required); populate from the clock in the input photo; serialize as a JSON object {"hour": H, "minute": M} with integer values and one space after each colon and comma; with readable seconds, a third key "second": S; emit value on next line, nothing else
{"hour": 10, "minute": 9}
